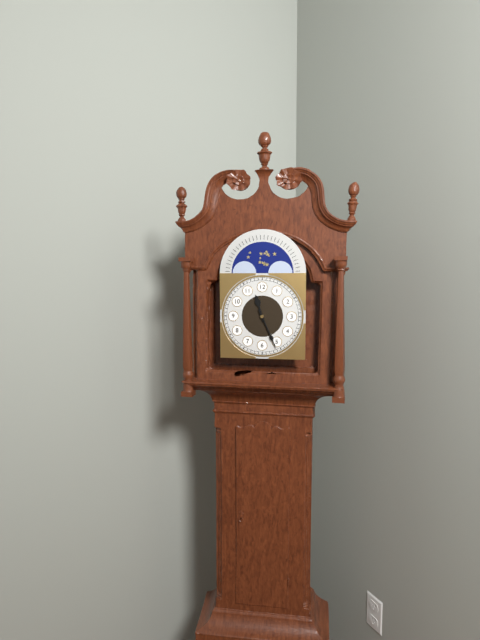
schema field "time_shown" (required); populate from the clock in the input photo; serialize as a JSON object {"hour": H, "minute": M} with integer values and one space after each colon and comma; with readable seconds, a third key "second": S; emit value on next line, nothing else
{"hour": 11, "minute": 26}
